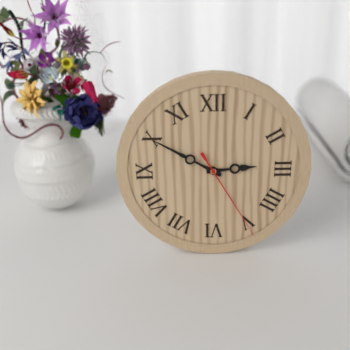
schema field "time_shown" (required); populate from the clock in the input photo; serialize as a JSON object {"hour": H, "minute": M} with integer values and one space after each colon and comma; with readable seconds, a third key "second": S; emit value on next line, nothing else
{"hour": 2, "minute": 50, "second": 25}
